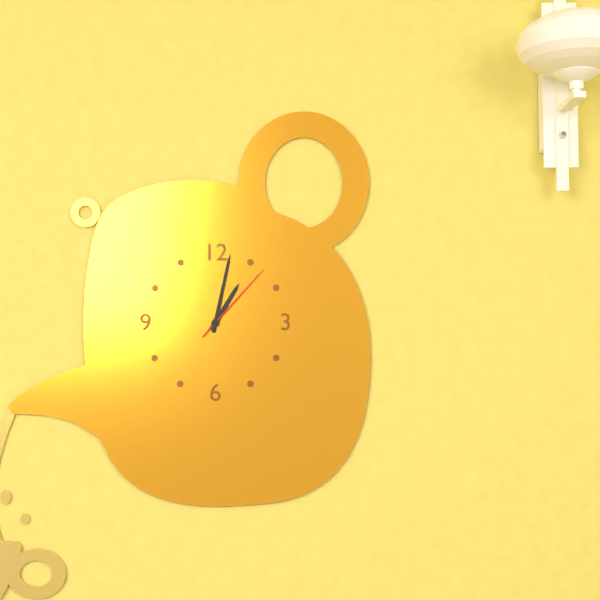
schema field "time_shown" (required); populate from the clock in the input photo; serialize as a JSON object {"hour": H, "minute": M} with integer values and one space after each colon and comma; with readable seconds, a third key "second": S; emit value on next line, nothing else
{"hour": 1, "minute": 2, "second": 7}
